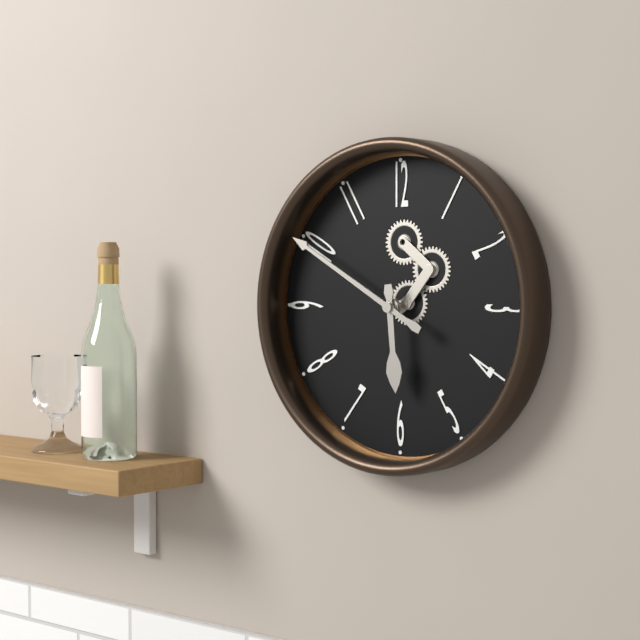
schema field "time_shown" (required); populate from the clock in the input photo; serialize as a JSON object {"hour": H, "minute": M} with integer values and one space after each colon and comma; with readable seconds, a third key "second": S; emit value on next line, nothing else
{"hour": 5, "minute": 50}
